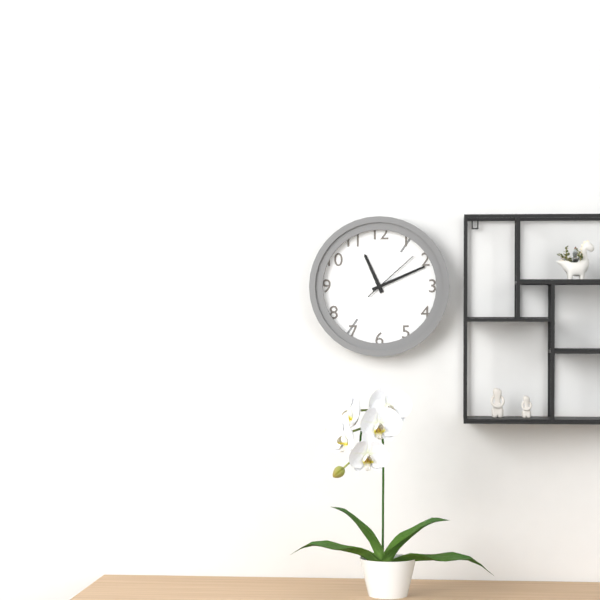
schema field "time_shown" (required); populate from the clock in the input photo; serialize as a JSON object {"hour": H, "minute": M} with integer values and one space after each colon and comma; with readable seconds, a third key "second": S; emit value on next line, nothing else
{"hour": 11, "minute": 11, "second": 8}
